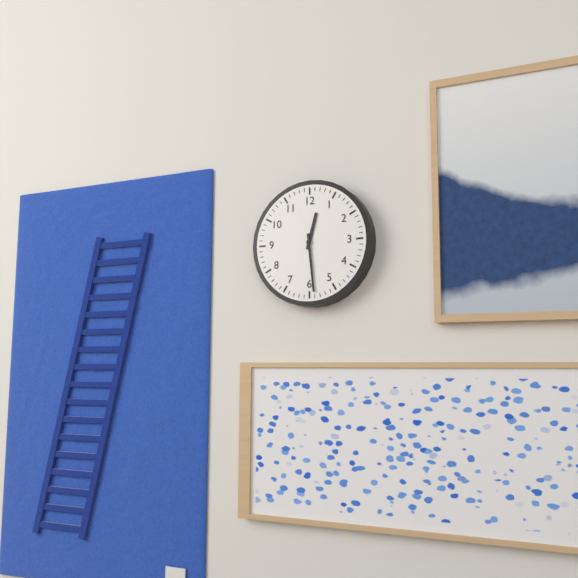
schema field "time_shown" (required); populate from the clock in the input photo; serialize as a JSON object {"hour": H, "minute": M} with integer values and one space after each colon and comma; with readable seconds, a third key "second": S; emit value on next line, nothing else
{"hour": 12, "minute": 29}
